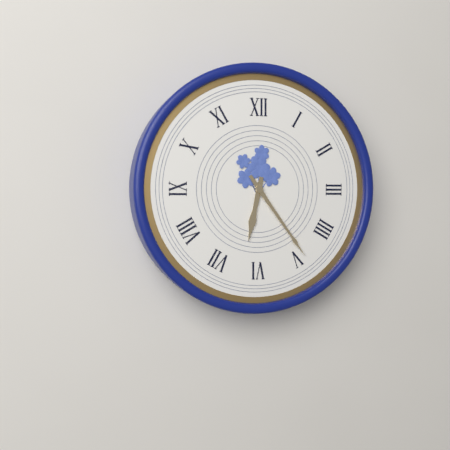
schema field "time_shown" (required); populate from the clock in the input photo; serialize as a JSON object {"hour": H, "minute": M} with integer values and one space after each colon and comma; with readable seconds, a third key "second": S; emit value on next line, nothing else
{"hour": 6, "minute": 24}
